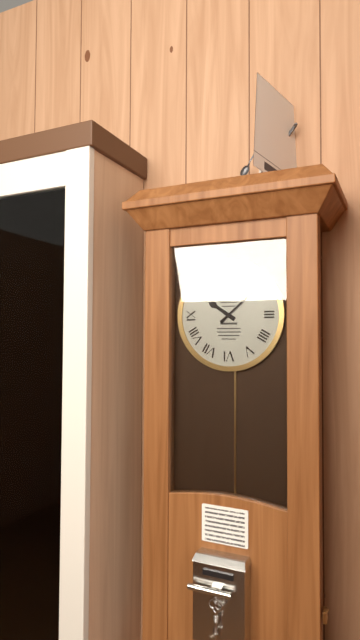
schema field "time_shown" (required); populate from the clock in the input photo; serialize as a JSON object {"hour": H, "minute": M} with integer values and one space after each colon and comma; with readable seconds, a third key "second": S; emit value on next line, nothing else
{"hour": 10, "minute": 8}
